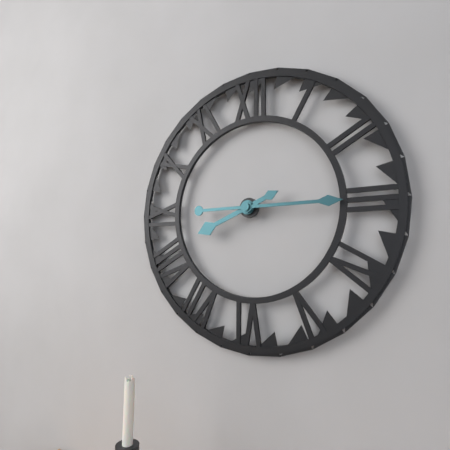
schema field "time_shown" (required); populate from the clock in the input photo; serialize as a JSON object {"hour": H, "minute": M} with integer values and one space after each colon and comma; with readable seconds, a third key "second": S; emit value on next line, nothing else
{"hour": 8, "minute": 15}
